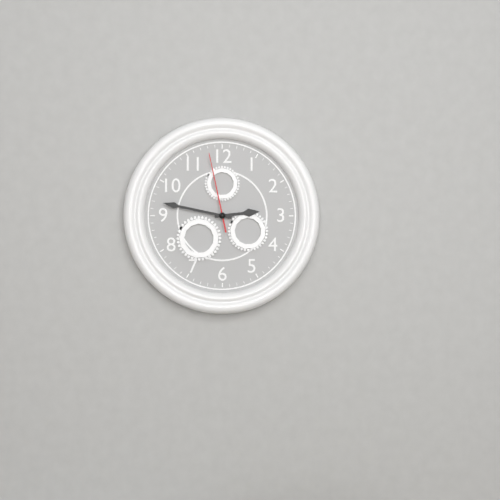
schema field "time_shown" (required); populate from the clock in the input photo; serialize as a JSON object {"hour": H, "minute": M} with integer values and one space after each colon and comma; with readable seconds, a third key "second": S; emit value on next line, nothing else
{"hour": 2, "minute": 47, "second": 58}
